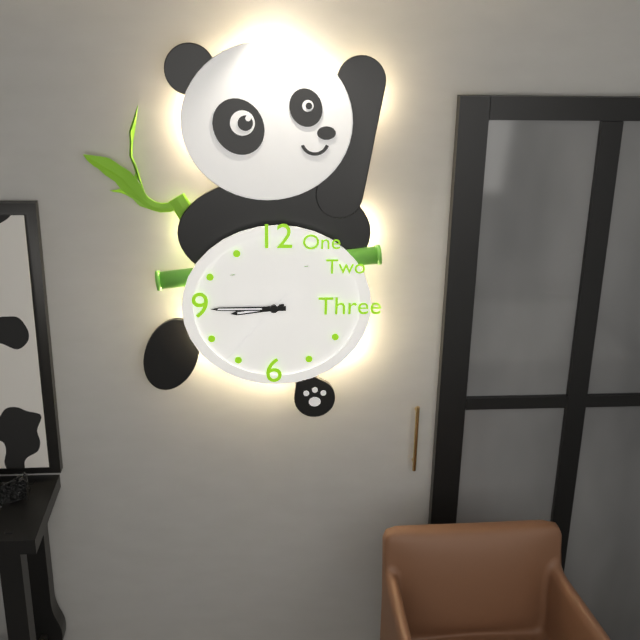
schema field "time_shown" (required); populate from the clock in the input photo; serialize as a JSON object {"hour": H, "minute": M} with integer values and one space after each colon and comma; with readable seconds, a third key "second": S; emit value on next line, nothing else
{"hour": 8, "minute": 45, "second": 37}
